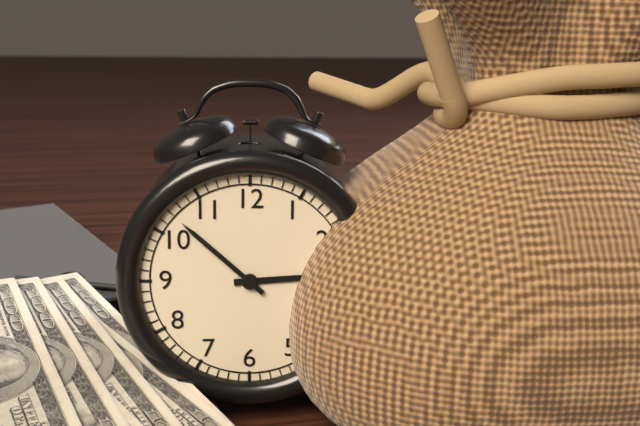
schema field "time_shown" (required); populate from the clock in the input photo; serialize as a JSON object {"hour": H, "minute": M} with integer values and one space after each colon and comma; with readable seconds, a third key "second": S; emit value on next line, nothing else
{"hour": 2, "minute": 52}
